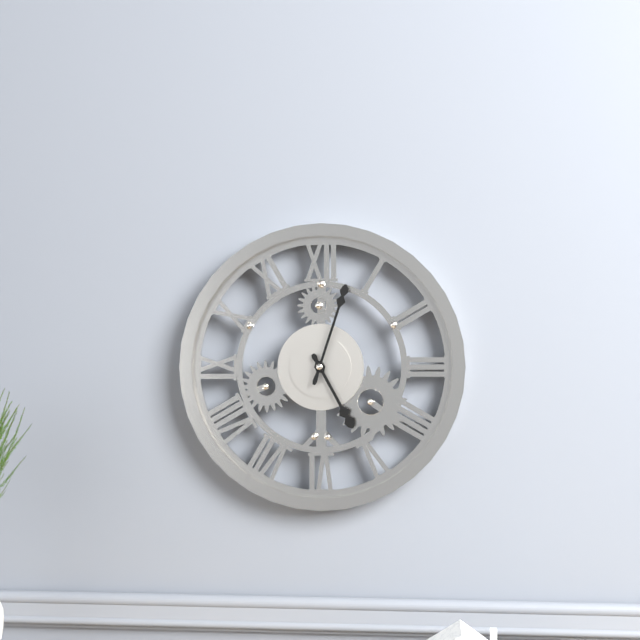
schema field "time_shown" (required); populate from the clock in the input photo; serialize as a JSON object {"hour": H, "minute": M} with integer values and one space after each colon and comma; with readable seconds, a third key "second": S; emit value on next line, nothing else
{"hour": 5, "minute": 3}
